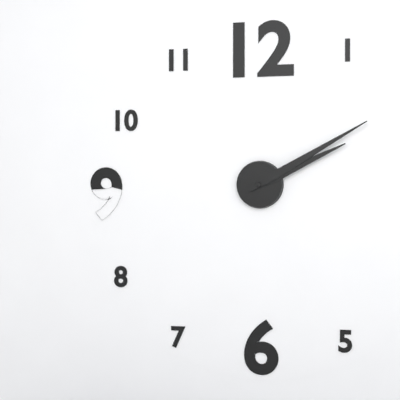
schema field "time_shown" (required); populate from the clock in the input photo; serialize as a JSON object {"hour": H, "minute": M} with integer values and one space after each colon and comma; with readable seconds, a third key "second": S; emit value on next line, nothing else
{"hour": 2, "minute": 10}
